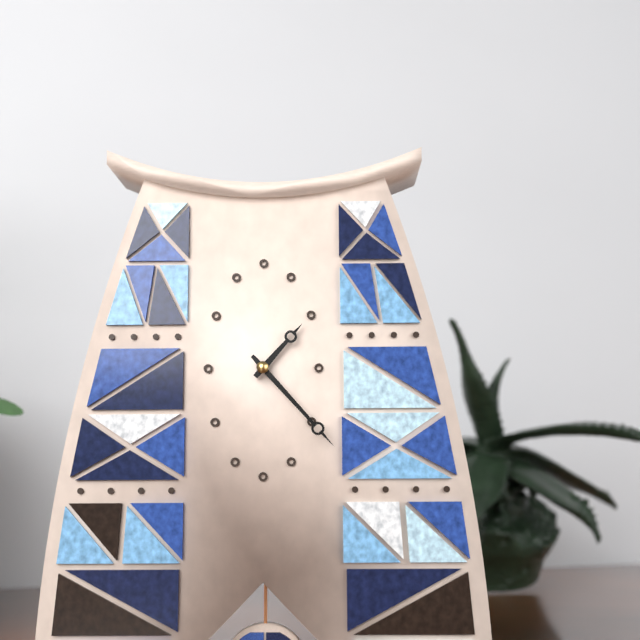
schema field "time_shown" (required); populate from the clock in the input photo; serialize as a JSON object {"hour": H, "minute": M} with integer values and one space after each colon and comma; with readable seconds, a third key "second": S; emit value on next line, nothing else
{"hour": 1, "minute": 23}
